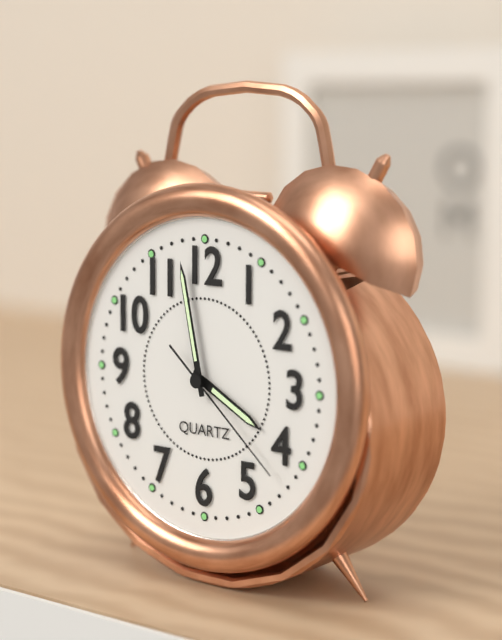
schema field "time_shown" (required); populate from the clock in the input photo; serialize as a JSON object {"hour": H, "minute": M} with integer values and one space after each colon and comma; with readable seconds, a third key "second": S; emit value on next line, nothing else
{"hour": 3, "minute": 58, "second": 22}
